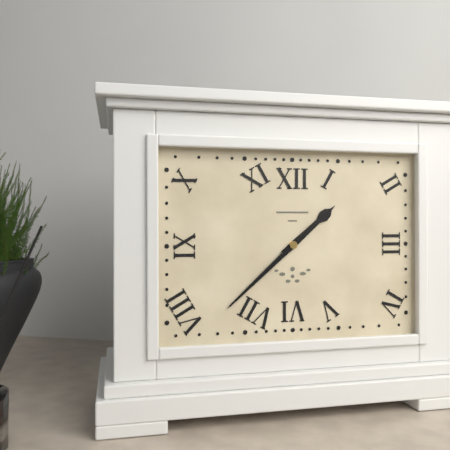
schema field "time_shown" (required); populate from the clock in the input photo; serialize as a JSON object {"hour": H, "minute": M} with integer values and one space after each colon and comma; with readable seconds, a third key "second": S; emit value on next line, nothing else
{"hour": 1, "minute": 38}
